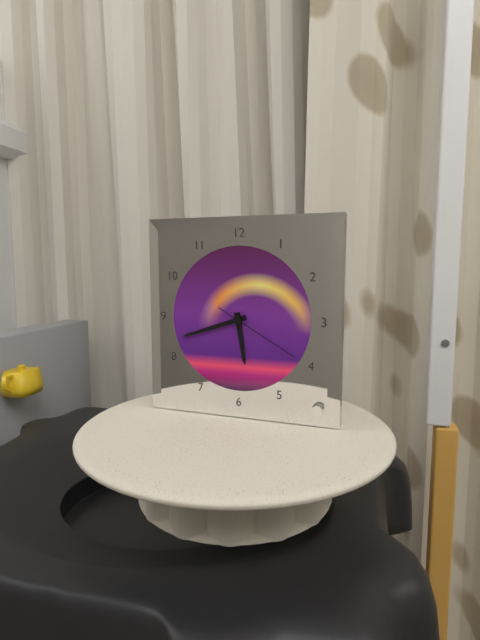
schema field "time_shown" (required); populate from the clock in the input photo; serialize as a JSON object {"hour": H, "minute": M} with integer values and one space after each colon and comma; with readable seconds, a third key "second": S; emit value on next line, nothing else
{"hour": 5, "minute": 42, "second": 20}
